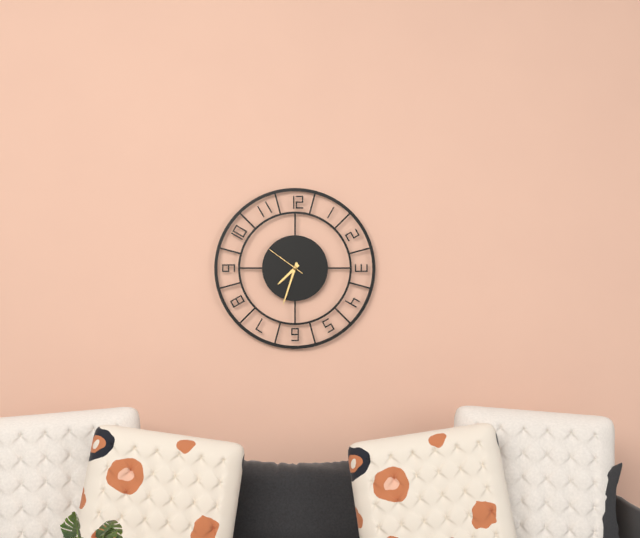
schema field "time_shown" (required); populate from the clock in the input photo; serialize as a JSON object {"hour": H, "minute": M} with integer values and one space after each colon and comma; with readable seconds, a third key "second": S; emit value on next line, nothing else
{"hour": 7, "minute": 33}
